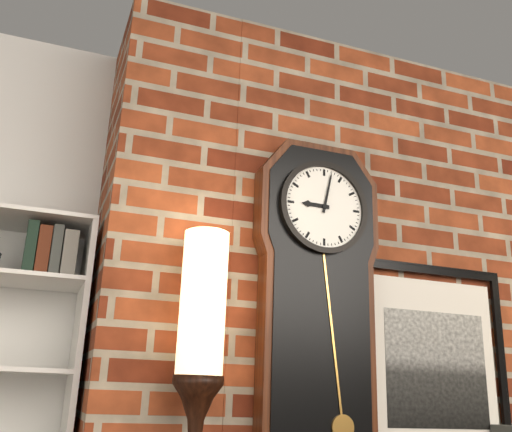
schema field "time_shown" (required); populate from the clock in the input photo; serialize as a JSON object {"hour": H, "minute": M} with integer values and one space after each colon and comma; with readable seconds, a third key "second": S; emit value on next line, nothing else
{"hour": 9, "minute": 2}
